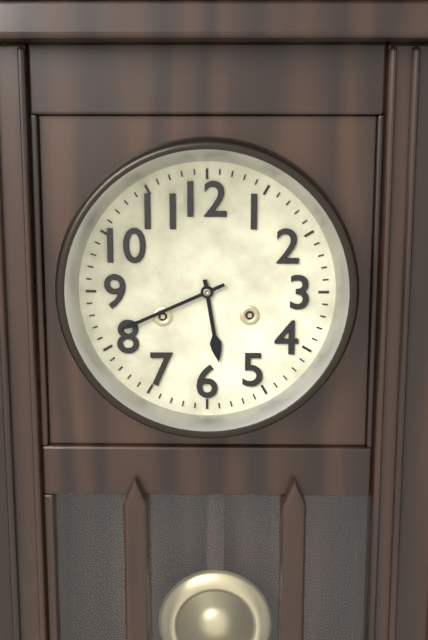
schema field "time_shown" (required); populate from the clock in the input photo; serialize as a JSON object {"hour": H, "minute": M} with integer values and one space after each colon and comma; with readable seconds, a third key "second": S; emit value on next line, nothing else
{"hour": 5, "minute": 41}
